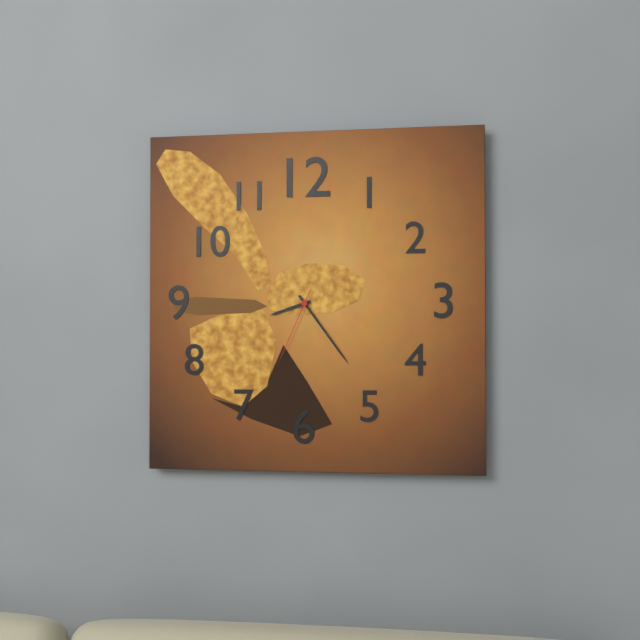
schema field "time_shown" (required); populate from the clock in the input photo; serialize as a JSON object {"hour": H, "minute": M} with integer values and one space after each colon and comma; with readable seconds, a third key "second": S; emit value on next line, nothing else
{"hour": 8, "minute": 24, "second": 34}
